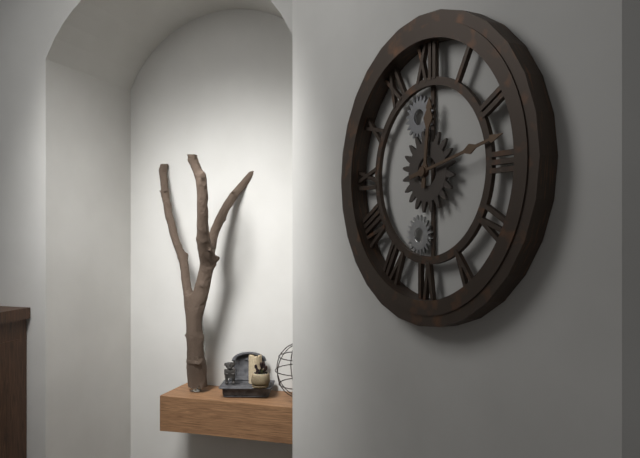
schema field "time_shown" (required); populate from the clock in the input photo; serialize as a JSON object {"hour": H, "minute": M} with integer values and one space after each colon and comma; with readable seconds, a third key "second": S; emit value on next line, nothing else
{"hour": 12, "minute": 13}
